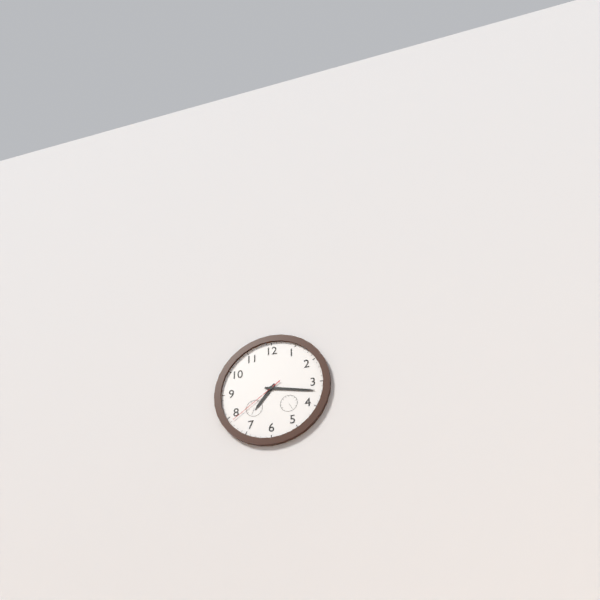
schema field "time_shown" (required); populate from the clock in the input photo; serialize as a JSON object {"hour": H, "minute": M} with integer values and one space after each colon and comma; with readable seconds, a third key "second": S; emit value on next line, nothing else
{"hour": 7, "minute": 17, "second": 39}
